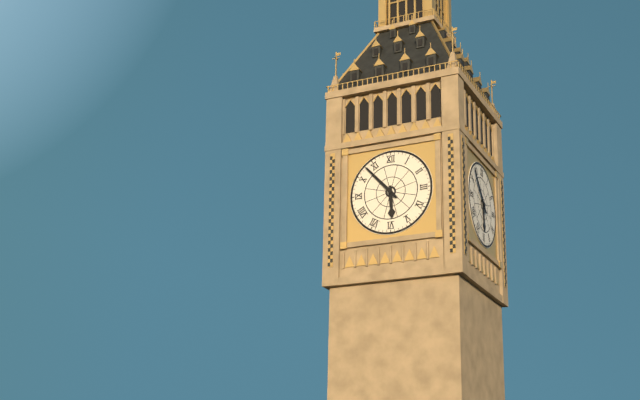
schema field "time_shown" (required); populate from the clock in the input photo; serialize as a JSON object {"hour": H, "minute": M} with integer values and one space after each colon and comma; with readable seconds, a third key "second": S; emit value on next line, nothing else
{"hour": 5, "minute": 53}
